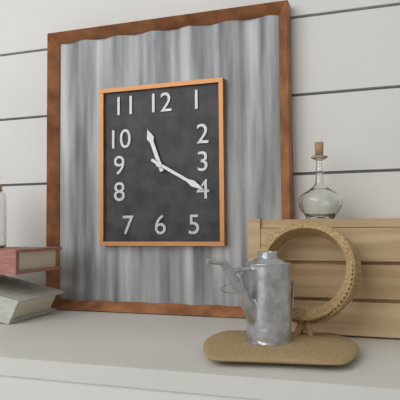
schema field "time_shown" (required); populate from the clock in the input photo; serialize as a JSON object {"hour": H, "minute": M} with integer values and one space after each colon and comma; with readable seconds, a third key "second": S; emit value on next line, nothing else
{"hour": 11, "minute": 20}
